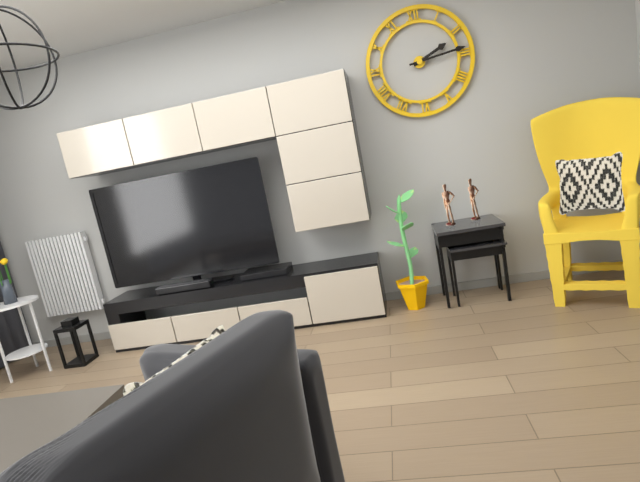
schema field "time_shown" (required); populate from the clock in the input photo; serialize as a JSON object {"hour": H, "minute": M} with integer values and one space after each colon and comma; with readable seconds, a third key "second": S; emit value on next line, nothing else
{"hour": 2, "minute": 14}
